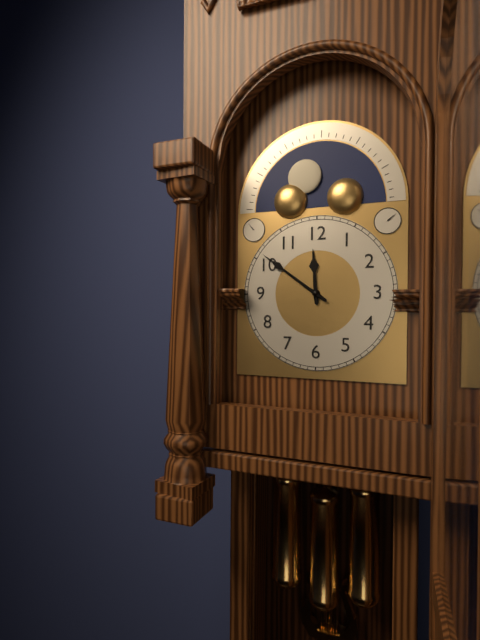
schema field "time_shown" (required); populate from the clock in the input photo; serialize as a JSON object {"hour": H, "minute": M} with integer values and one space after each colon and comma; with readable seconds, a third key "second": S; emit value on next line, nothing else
{"hour": 11, "minute": 51}
